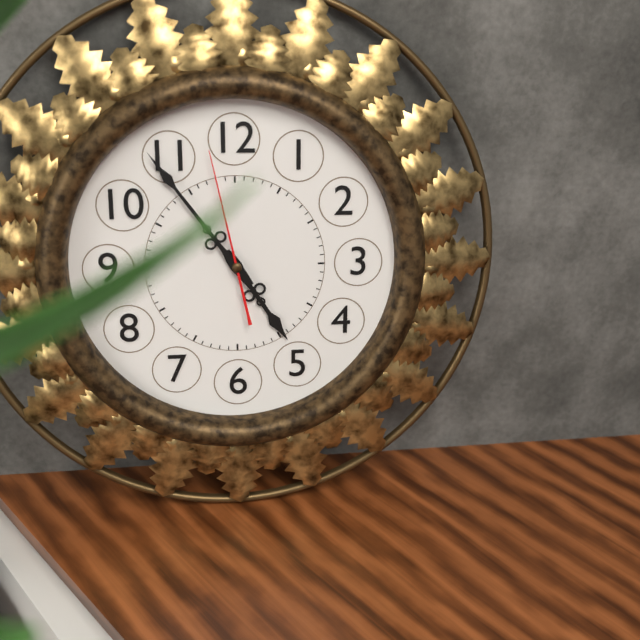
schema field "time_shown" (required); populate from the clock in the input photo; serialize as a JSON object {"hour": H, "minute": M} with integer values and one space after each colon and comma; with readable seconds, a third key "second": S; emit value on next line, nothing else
{"hour": 4, "minute": 54, "second": 58}
